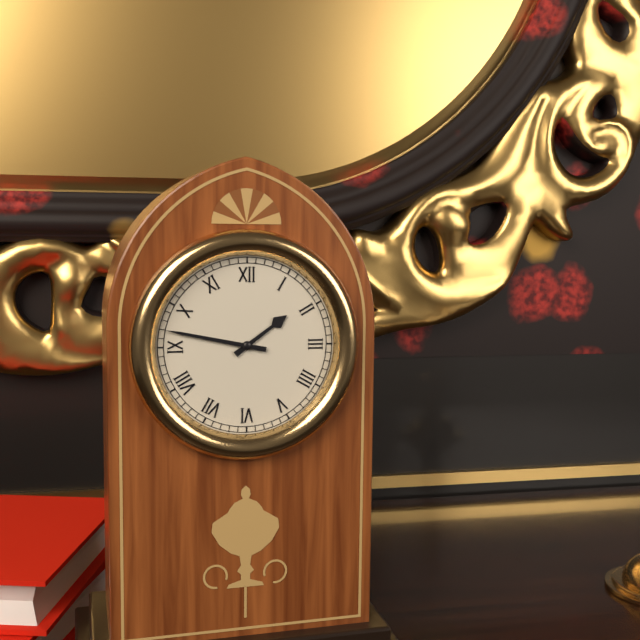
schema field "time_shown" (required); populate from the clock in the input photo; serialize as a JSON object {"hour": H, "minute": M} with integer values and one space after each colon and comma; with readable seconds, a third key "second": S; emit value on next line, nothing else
{"hour": 1, "minute": 47}
